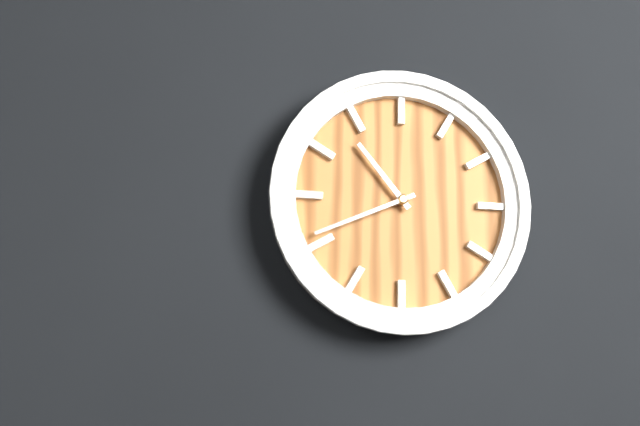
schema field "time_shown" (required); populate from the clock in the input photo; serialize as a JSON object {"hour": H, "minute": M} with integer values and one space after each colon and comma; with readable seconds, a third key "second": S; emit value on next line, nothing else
{"hour": 10, "minute": 41}
